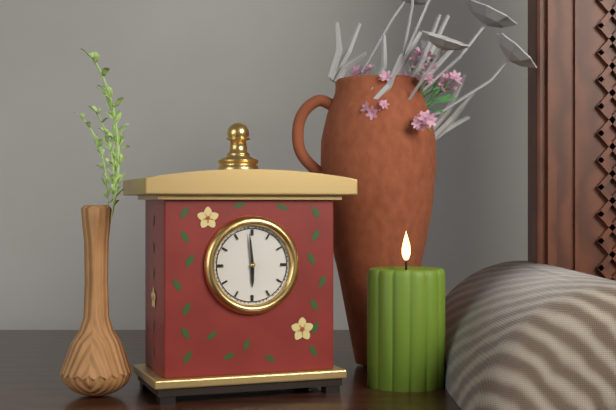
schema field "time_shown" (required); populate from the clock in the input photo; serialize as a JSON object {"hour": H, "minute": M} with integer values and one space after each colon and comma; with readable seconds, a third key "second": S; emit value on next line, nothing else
{"hour": 5, "minute": 59}
